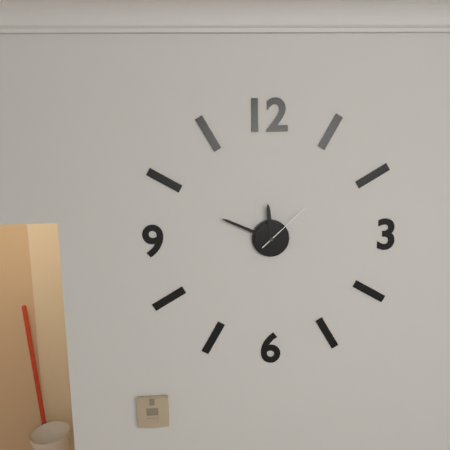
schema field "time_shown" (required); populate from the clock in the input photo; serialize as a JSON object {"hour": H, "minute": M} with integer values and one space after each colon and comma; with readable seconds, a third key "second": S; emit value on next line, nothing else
{"hour": 11, "minute": 49, "second": 8}
